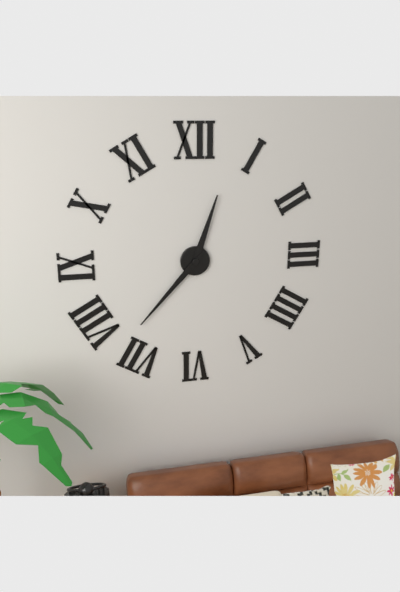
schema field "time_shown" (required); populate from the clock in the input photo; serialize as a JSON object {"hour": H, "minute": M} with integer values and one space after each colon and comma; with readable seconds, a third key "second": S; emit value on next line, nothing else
{"hour": 12, "minute": 37}
